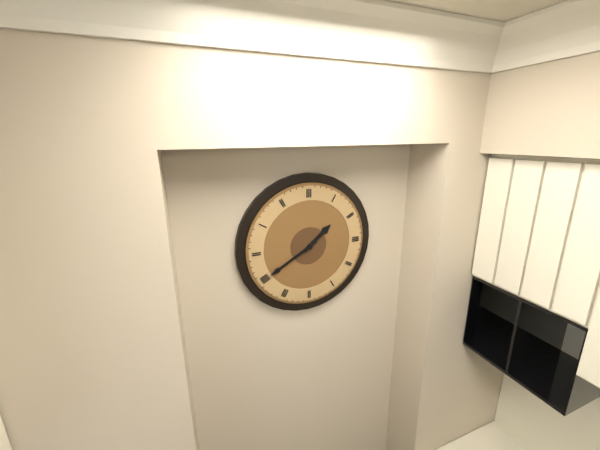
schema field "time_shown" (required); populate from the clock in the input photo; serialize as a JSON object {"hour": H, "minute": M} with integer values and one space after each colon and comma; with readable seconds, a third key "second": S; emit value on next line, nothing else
{"hour": 1, "minute": 40}
